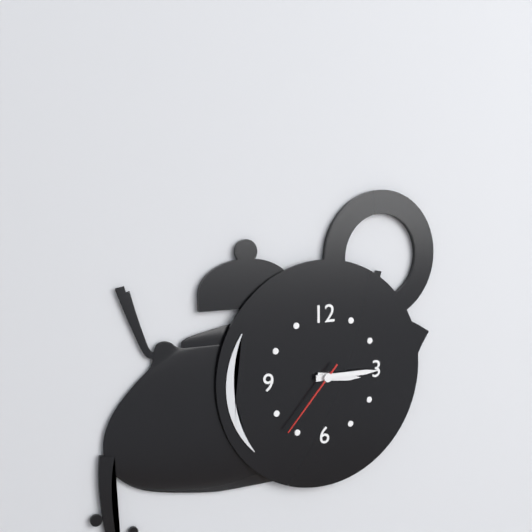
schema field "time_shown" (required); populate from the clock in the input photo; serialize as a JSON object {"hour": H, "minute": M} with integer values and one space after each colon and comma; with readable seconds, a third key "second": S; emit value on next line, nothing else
{"hour": 3, "minute": 15, "second": 37}
